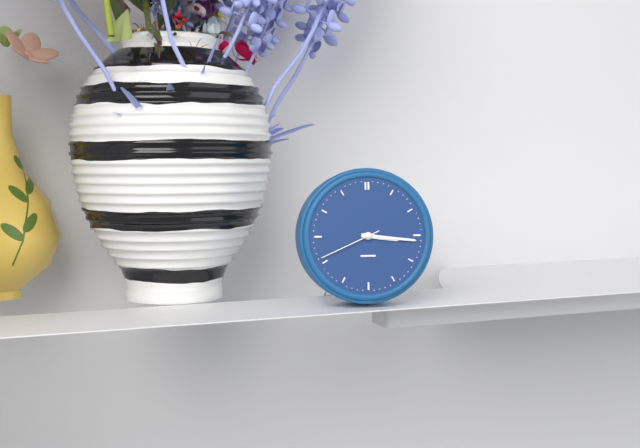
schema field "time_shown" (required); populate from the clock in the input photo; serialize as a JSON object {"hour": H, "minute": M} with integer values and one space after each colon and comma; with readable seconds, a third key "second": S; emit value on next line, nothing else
{"hour": 3, "minute": 16, "second": 41}
